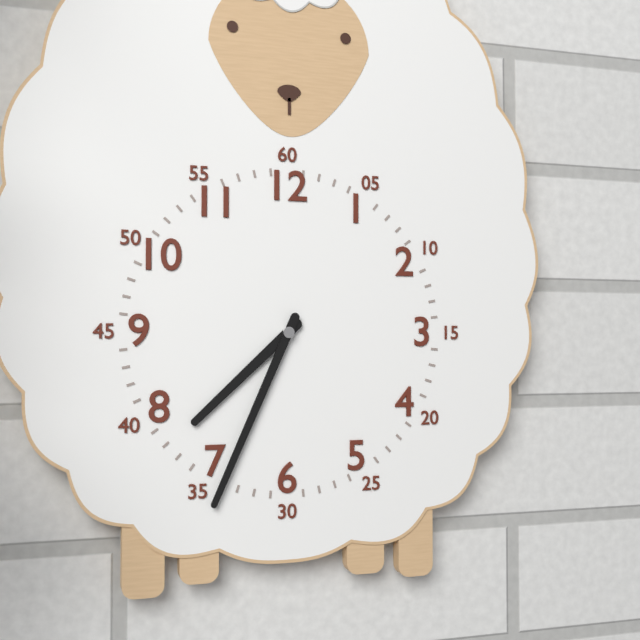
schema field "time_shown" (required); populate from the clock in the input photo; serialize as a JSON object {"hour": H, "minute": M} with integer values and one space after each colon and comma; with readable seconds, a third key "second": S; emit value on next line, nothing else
{"hour": 7, "minute": 34}
